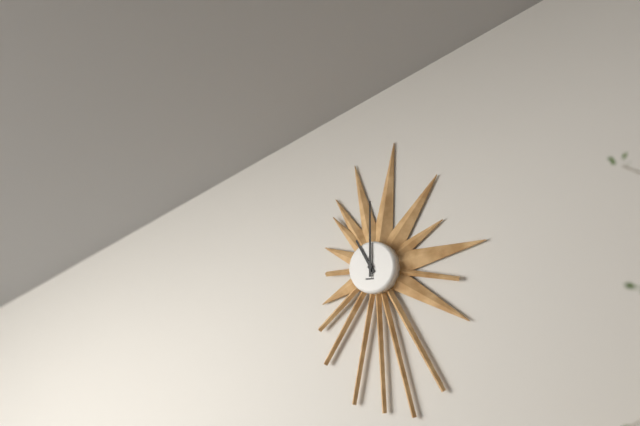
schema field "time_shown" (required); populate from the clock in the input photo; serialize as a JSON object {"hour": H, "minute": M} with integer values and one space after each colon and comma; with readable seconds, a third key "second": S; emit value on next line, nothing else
{"hour": 11, "minute": 0}
